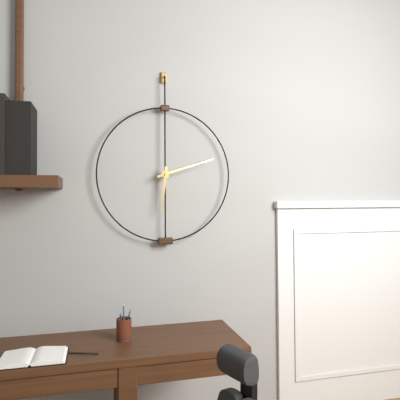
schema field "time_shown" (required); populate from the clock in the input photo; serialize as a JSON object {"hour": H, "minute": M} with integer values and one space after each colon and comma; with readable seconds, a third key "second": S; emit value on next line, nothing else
{"hour": 6, "minute": 12}
